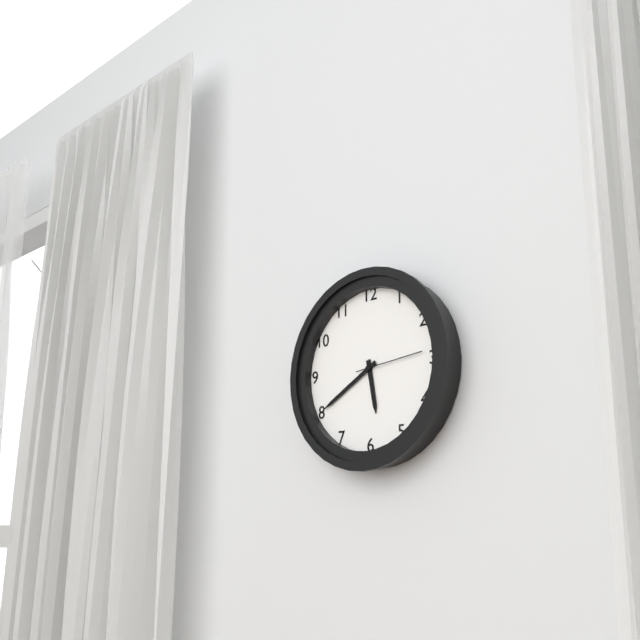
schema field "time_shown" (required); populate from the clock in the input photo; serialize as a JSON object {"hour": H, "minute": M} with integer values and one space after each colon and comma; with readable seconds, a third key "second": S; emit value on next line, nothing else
{"hour": 5, "minute": 40, "second": 14}
